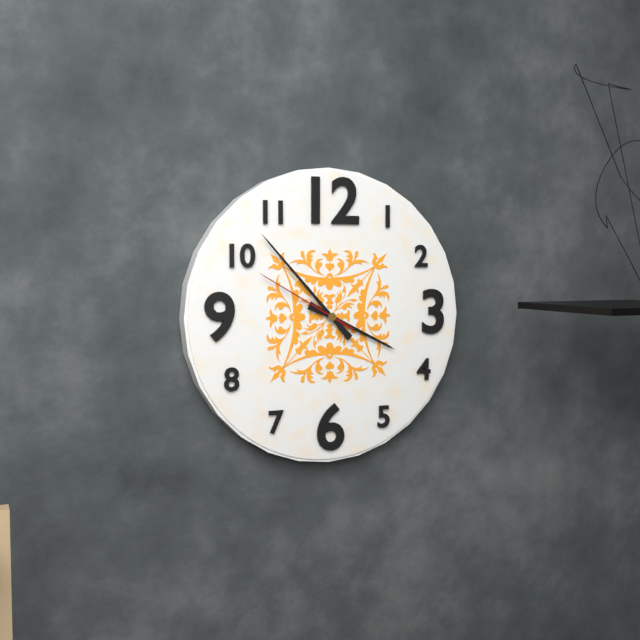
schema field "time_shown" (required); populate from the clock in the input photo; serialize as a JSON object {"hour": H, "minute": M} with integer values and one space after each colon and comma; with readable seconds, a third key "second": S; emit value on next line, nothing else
{"hour": 3, "minute": 53, "second": 50}
